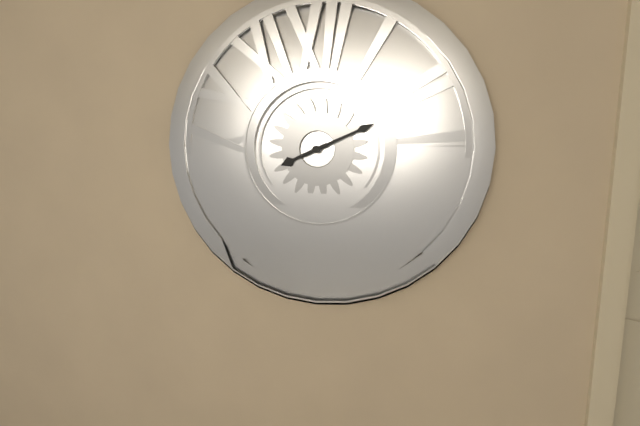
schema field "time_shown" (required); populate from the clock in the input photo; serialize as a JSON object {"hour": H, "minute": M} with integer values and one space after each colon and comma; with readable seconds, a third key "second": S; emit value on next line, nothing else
{"hour": 8, "minute": 11}
